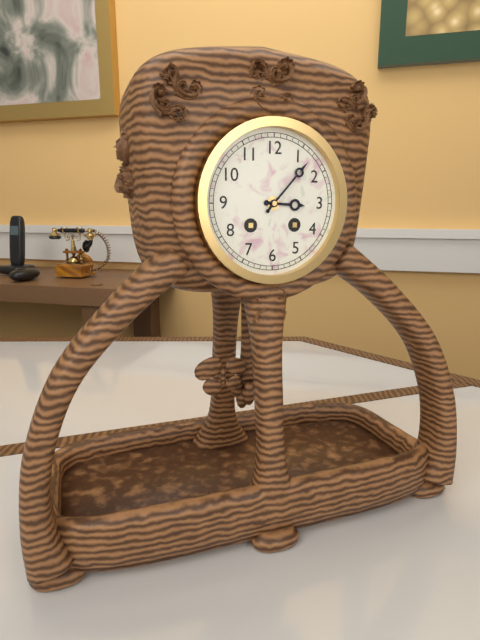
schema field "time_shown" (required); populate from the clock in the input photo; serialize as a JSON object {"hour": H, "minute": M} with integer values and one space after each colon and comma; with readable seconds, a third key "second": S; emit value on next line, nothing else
{"hour": 3, "minute": 7}
